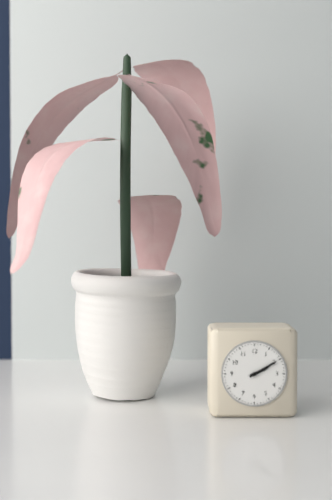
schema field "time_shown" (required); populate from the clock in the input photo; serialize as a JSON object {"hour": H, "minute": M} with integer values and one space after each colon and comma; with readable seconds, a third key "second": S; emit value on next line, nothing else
{"hour": 2, "minute": 10}
